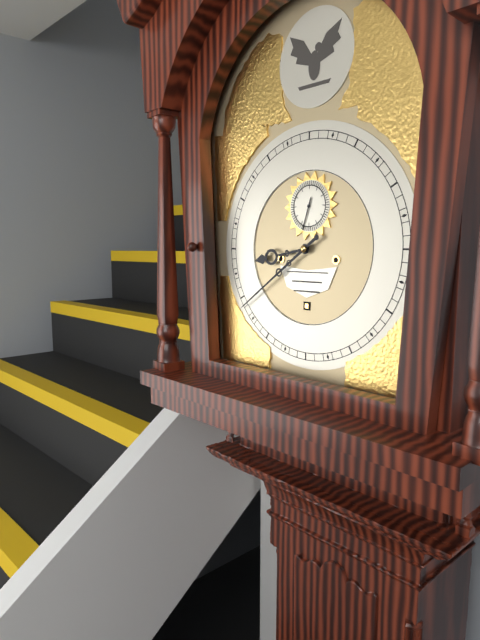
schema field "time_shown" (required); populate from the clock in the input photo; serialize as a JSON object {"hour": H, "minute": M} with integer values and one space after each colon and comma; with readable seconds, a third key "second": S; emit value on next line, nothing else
{"hour": 8, "minute": 39}
